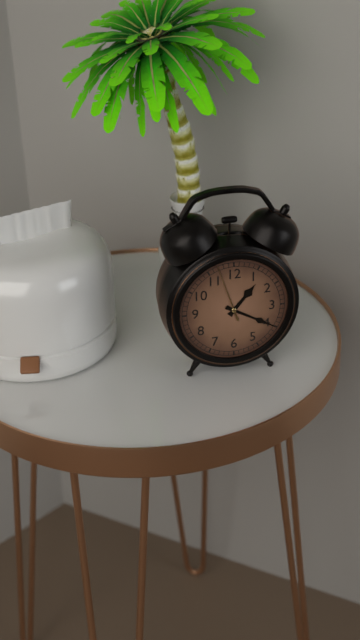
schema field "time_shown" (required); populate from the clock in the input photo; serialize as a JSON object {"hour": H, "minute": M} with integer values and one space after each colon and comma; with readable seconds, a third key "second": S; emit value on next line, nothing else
{"hour": 1, "minute": 20, "second": 57}
